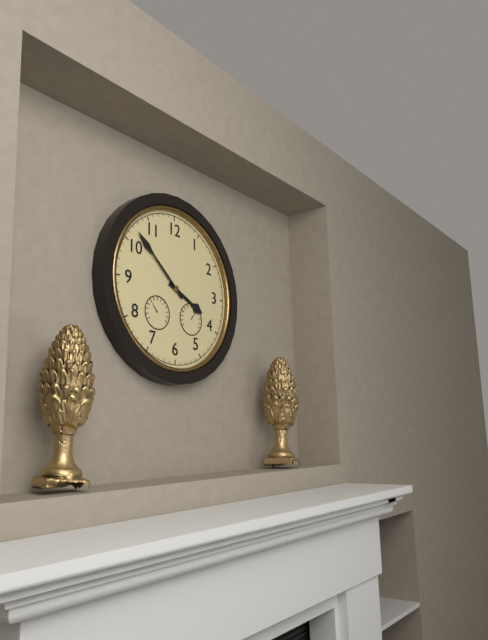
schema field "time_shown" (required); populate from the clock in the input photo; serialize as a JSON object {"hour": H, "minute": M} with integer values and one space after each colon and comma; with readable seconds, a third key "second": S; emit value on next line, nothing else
{"hour": 3, "minute": 52}
